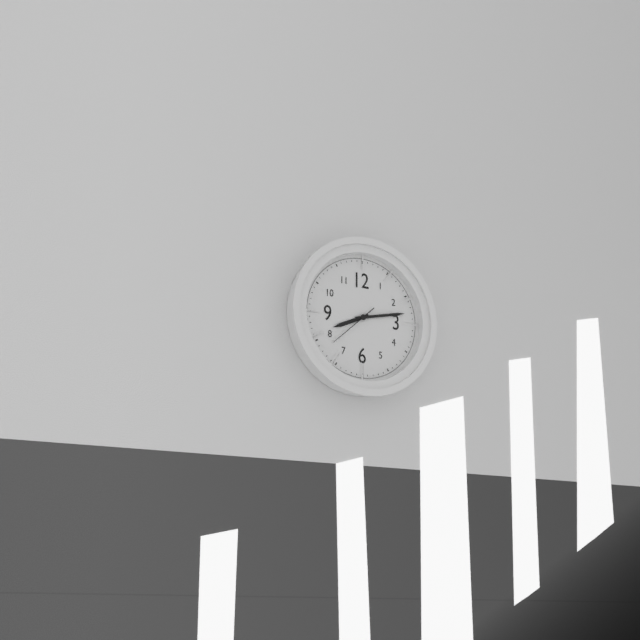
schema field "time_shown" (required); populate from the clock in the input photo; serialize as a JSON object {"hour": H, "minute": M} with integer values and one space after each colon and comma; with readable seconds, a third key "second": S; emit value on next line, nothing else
{"hour": 8, "minute": 13}
